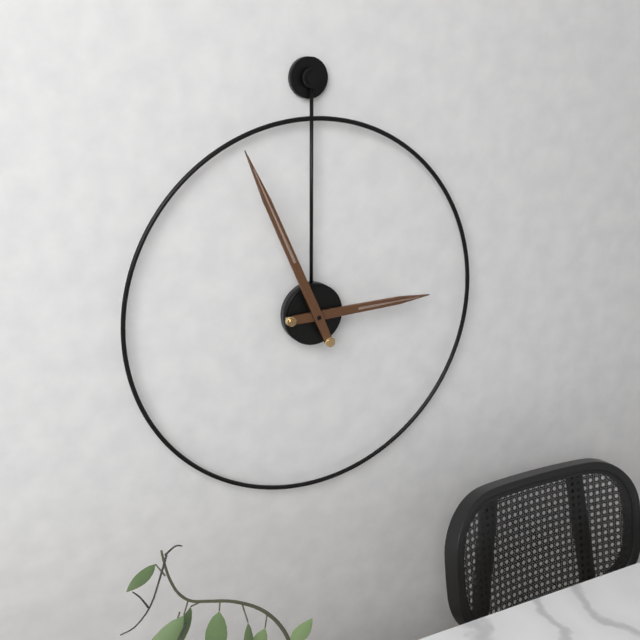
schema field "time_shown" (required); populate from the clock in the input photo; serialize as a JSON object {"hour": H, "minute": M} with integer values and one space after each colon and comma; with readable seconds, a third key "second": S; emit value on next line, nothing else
{"hour": 2, "minute": 56}
